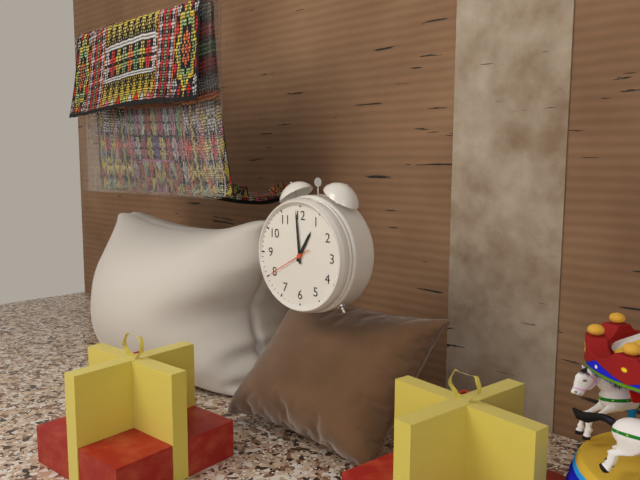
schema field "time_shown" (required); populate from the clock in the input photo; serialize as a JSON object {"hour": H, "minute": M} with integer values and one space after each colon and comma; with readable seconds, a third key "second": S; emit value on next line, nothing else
{"hour": 12, "minute": 59}
